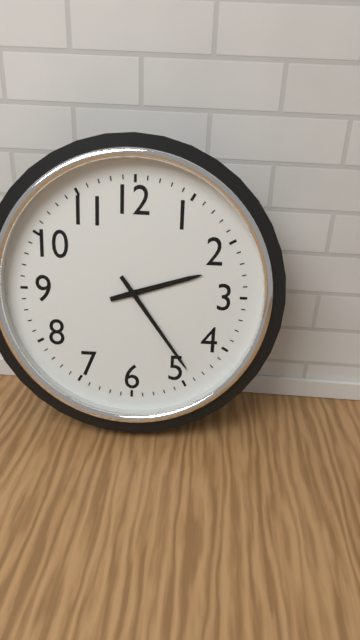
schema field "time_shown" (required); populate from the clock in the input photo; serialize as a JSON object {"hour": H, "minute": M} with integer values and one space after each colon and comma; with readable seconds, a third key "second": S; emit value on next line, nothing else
{"hour": 2, "minute": 24}
